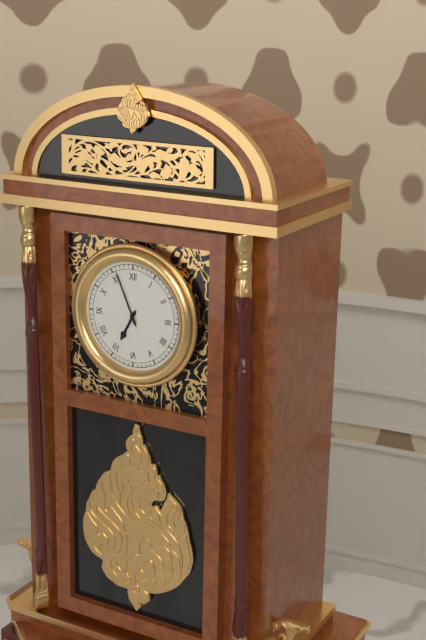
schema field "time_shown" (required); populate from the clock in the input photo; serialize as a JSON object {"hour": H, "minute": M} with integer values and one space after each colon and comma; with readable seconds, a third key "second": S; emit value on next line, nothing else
{"hour": 6, "minute": 56}
